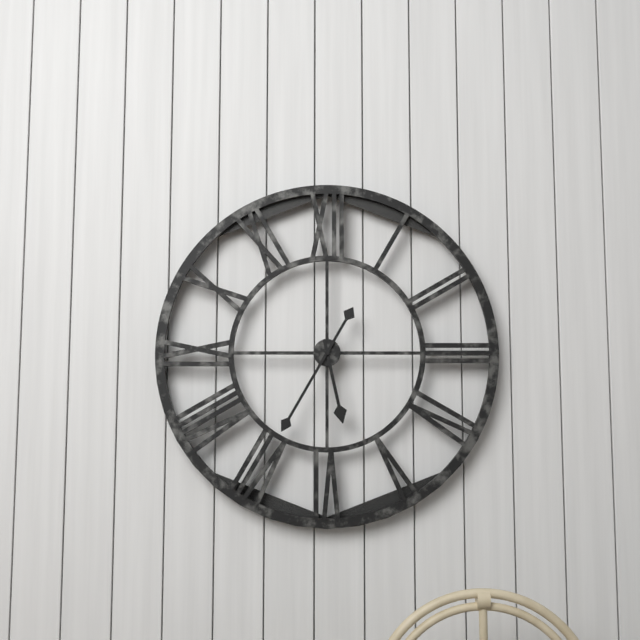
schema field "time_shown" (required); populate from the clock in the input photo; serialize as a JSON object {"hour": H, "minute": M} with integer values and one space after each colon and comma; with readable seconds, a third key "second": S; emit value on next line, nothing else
{"hour": 5, "minute": 35}
